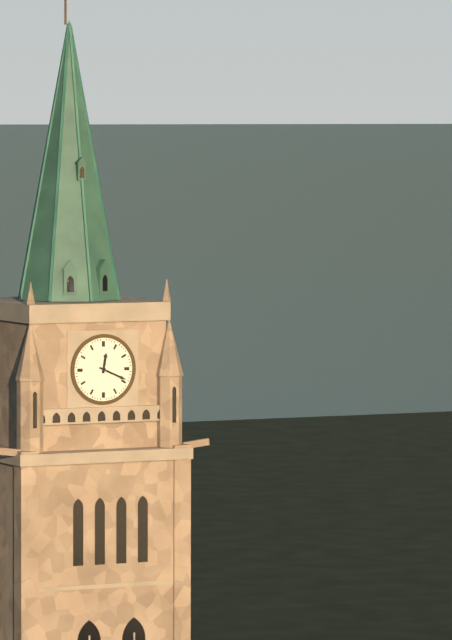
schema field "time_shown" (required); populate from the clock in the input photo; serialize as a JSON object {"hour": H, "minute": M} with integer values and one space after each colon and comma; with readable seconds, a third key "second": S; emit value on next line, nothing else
{"hour": 12, "minute": 19}
